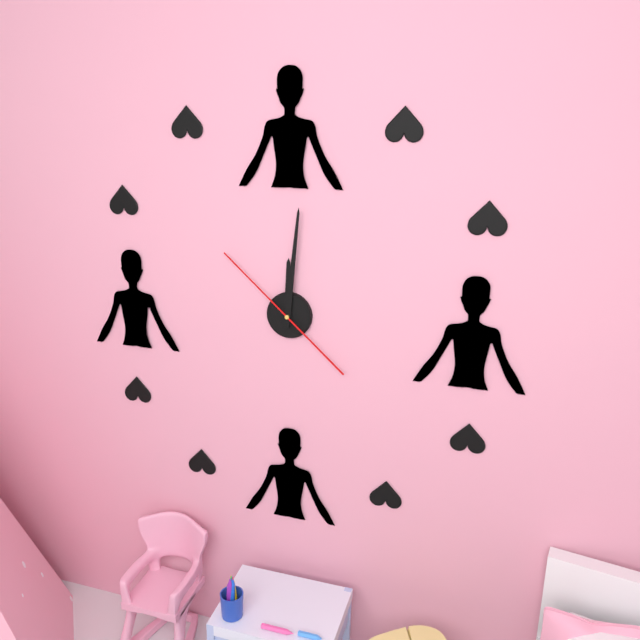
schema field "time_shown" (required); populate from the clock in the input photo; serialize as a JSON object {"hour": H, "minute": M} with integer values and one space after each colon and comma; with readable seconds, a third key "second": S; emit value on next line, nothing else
{"hour": 12, "minute": 1, "second": 52}
